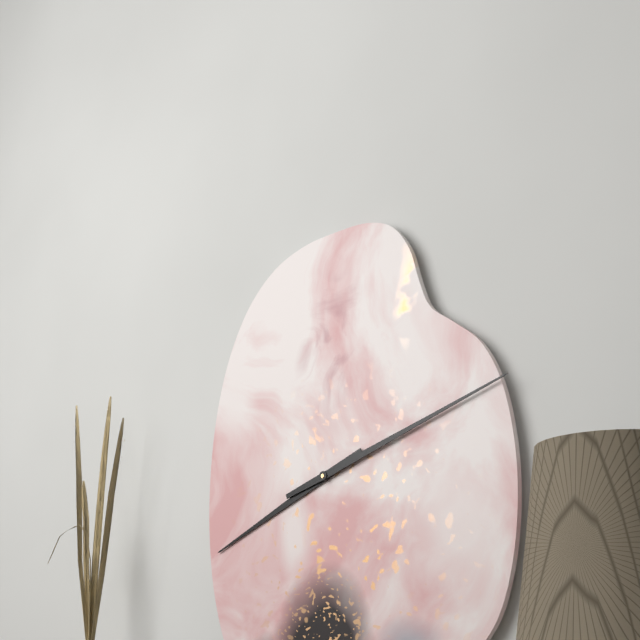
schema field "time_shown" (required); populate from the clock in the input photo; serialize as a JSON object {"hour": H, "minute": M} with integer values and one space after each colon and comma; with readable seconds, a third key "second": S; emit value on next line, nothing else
{"hour": 8, "minute": 12}
